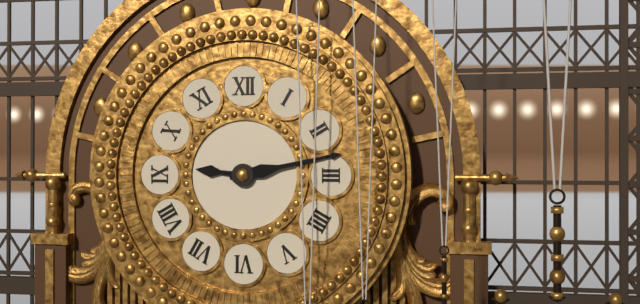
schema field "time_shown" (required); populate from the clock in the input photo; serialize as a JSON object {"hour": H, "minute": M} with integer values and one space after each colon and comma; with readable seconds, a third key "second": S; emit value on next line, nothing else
{"hour": 9, "minute": 13}
